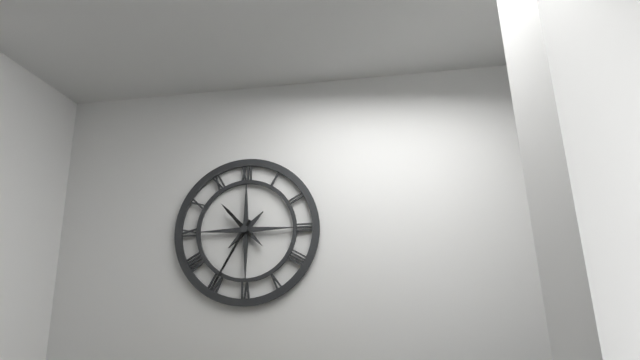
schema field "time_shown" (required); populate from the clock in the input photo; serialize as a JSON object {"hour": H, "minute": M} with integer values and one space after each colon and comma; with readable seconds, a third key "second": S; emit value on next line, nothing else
{"hour": 10, "minute": 35}
